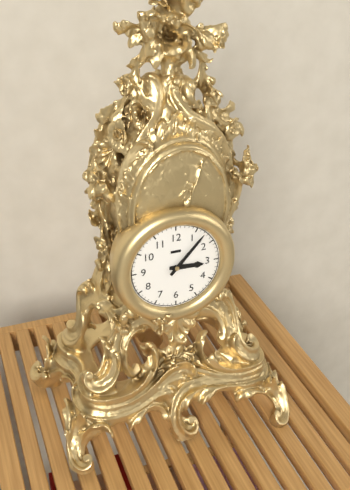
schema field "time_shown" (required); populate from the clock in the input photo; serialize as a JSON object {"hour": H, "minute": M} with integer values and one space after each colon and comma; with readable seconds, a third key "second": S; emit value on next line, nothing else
{"hour": 3, "minute": 7}
